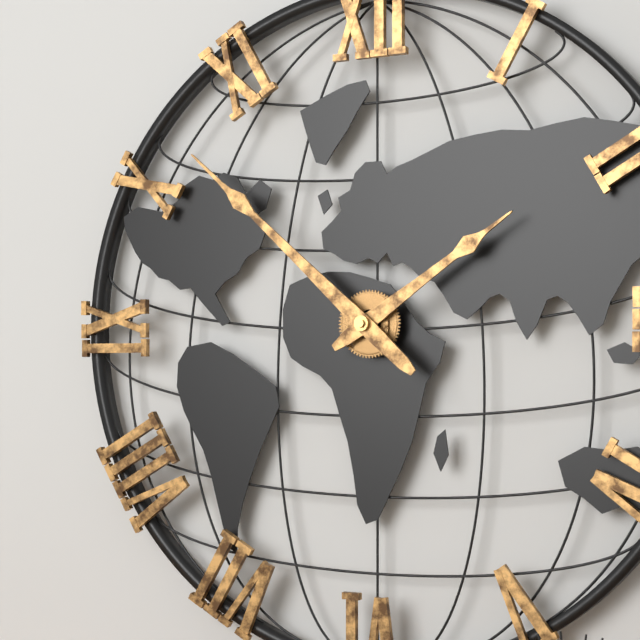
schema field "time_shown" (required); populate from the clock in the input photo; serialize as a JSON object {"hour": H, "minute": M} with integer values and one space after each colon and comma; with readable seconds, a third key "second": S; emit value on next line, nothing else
{"hour": 1, "minute": 52}
